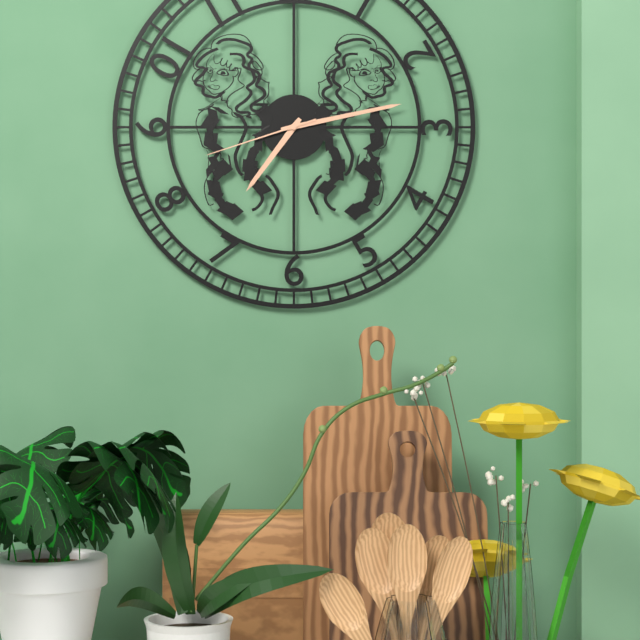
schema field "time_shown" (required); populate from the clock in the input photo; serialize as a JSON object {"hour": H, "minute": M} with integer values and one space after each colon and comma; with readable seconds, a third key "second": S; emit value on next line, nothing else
{"hour": 7, "minute": 13, "second": 42}
